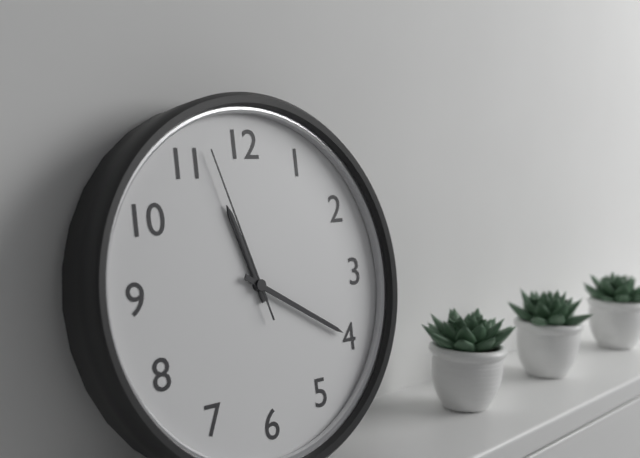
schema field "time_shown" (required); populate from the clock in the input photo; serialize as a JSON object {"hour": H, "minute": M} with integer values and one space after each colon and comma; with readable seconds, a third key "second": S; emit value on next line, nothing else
{"hour": 11, "minute": 20, "second": 57}
